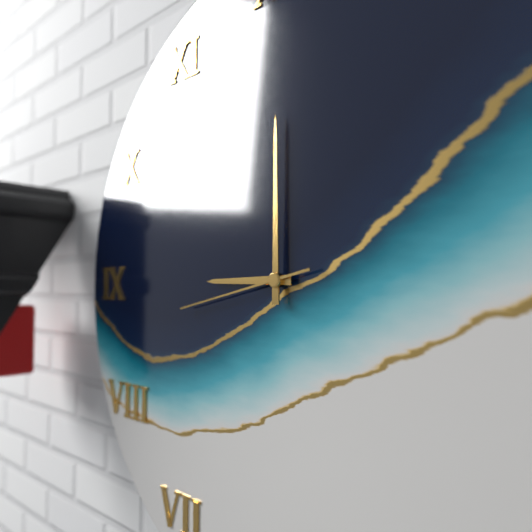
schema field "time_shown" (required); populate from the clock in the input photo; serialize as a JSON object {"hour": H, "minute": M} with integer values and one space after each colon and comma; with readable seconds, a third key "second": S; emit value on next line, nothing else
{"hour": 9, "minute": 0, "second": 43}
